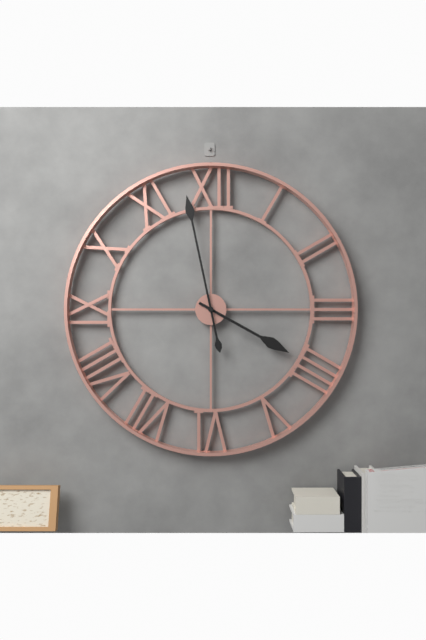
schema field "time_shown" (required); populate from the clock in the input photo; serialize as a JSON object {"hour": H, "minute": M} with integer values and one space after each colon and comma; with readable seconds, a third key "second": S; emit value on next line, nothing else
{"hour": 3, "minute": 58}
